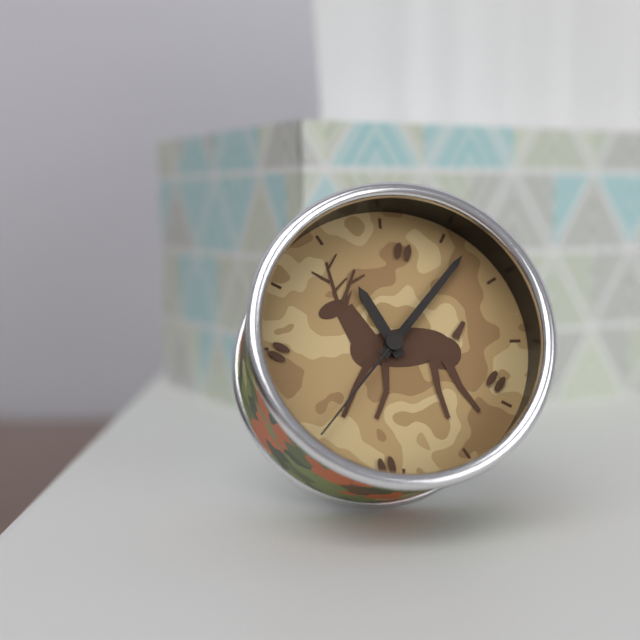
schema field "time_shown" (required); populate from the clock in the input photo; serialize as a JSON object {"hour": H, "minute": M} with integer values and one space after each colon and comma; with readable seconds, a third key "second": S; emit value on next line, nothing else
{"hour": 11, "minute": 7, "second": 37}
